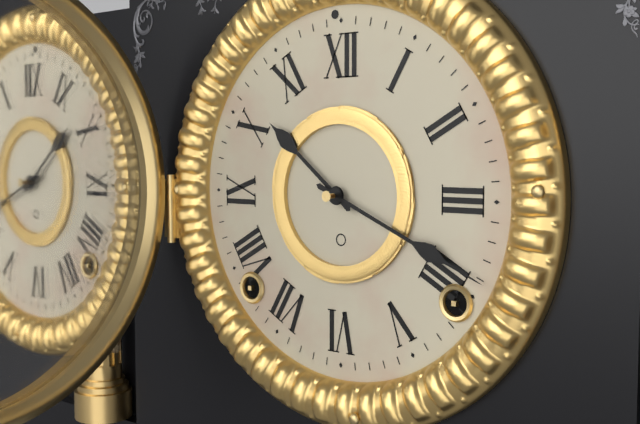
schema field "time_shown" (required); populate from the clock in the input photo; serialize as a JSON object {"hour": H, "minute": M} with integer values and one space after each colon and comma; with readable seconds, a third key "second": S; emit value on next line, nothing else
{"hour": 10, "minute": 19}
